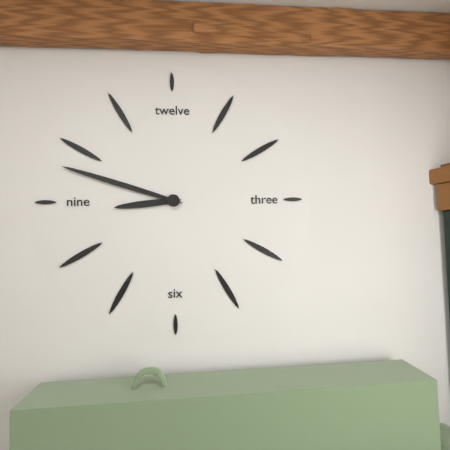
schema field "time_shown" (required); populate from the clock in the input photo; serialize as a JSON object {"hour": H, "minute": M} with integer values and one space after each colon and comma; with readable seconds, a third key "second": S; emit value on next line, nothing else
{"hour": 8, "minute": 48}
